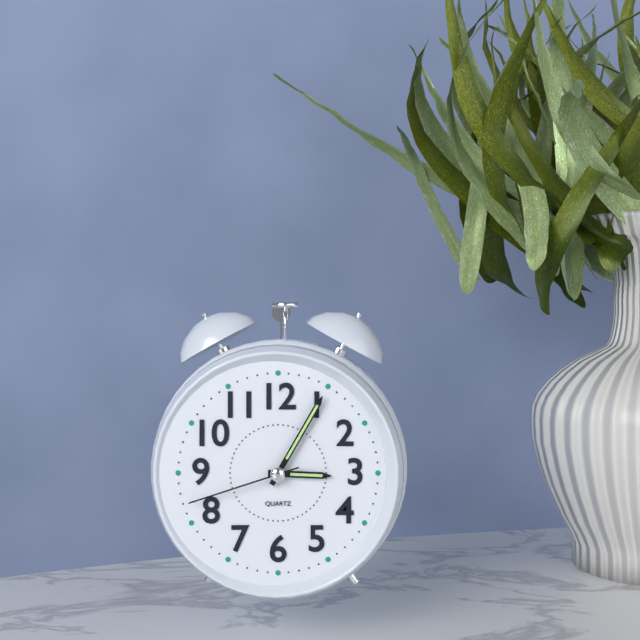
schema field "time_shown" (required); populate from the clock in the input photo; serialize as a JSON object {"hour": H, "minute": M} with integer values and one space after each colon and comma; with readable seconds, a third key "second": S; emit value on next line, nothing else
{"hour": 3, "minute": 5, "second": 42}
